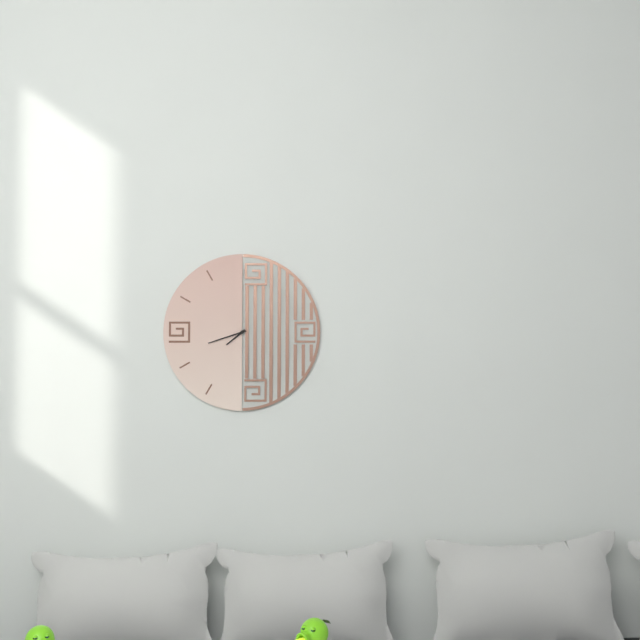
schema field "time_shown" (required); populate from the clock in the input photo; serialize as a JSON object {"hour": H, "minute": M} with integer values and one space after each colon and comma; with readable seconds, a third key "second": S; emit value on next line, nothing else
{"hour": 7, "minute": 42}
